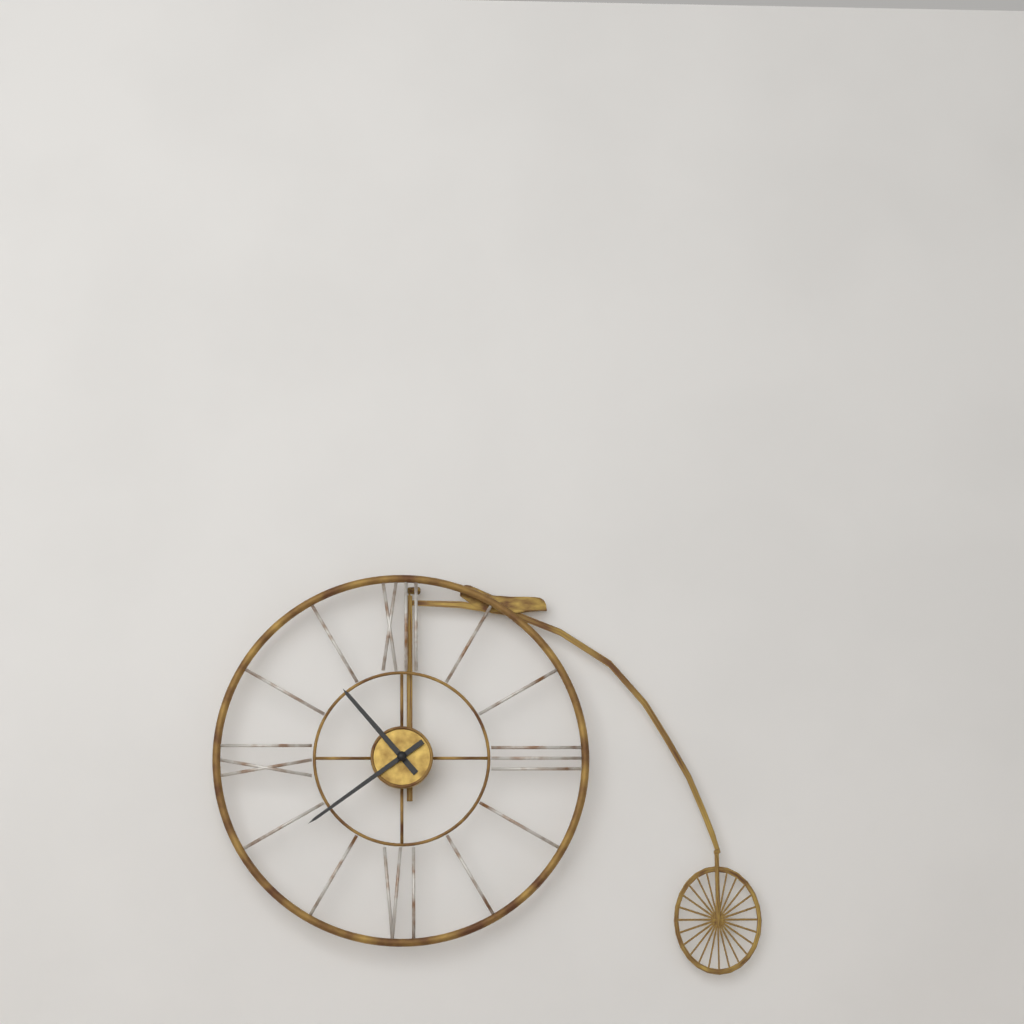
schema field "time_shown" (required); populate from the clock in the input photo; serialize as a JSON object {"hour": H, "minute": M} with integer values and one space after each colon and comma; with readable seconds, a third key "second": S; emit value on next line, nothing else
{"hour": 10, "minute": 39}
